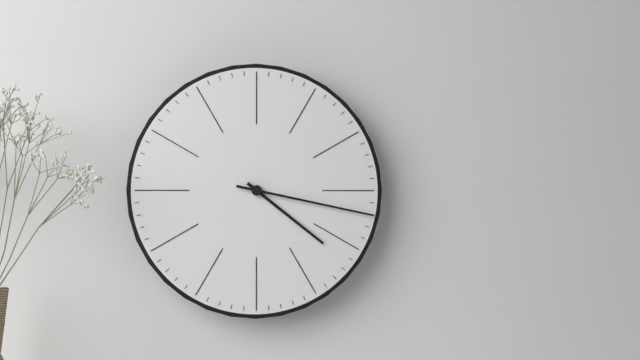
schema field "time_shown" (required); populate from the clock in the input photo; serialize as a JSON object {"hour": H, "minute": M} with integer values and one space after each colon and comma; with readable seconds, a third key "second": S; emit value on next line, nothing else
{"hour": 4, "minute": 17}
